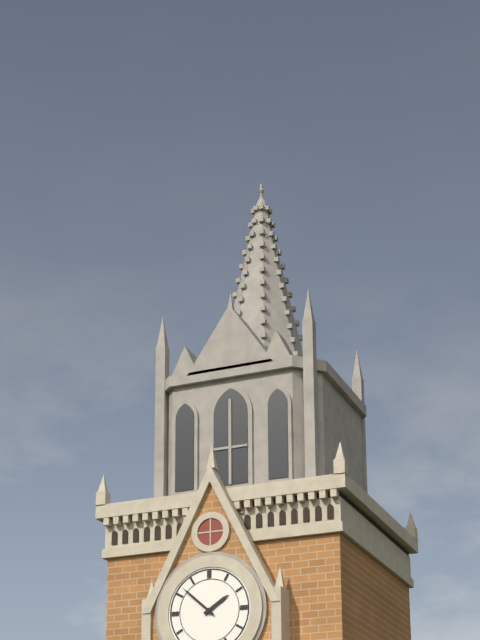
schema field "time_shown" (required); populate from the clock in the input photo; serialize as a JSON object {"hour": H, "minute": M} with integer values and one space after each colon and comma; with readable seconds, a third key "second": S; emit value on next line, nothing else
{"hour": 1, "minute": 52}
